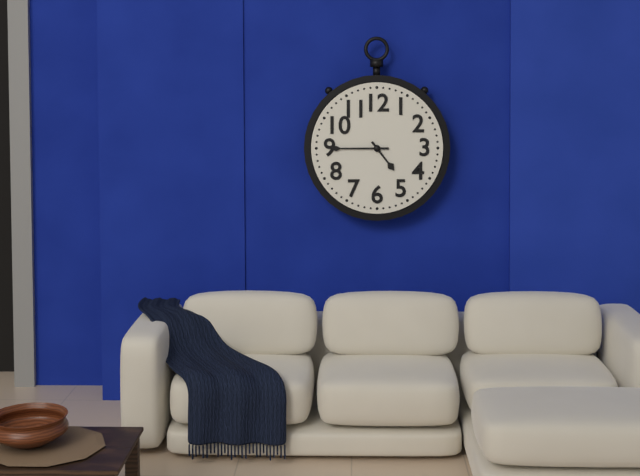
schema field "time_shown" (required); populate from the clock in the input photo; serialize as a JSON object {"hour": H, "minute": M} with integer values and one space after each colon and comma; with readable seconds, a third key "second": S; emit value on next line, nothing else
{"hour": 4, "minute": 45}
